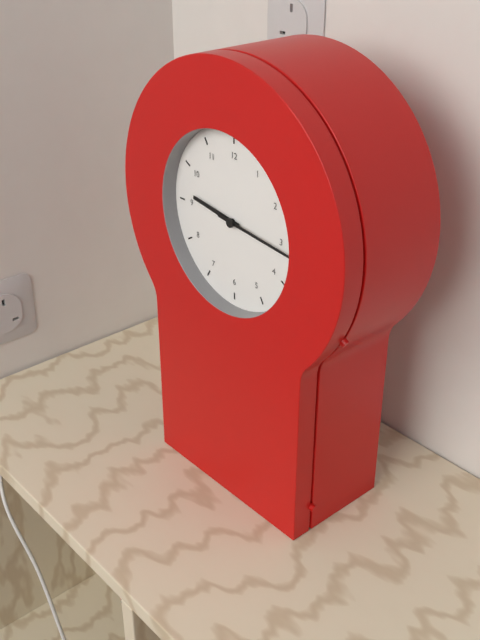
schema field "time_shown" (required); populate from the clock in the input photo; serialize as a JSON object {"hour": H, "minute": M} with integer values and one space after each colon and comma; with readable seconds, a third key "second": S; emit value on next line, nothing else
{"hour": 9, "minute": 16}
